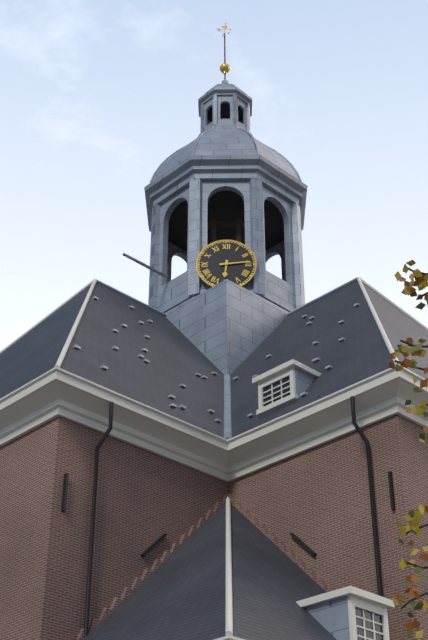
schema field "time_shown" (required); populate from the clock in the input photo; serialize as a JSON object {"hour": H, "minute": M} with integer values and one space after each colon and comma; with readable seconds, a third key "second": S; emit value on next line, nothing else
{"hour": 6, "minute": 14}
